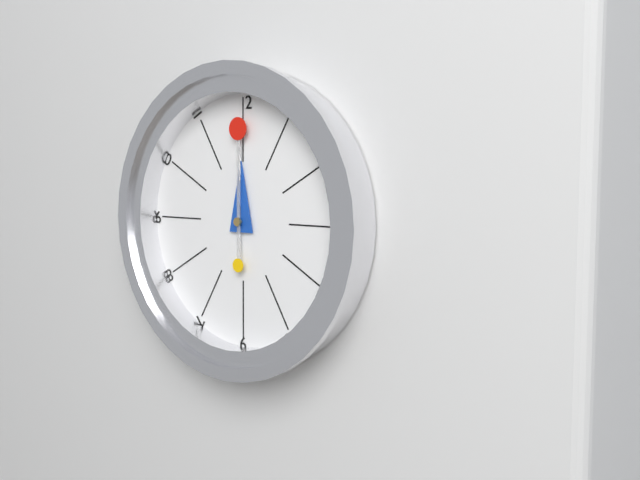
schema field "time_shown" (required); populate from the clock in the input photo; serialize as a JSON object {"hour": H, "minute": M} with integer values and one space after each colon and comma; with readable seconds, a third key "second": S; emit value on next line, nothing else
{"hour": 12, "minute": 0}
